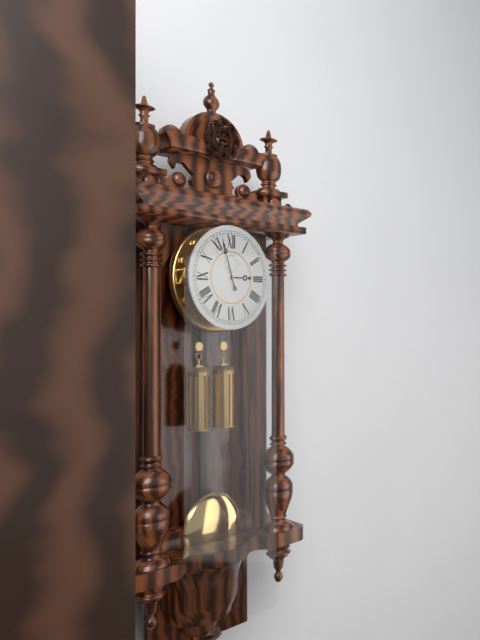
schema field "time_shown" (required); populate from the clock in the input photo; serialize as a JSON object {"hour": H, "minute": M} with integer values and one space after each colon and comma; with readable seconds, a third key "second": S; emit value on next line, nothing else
{"hour": 2, "minute": 57}
